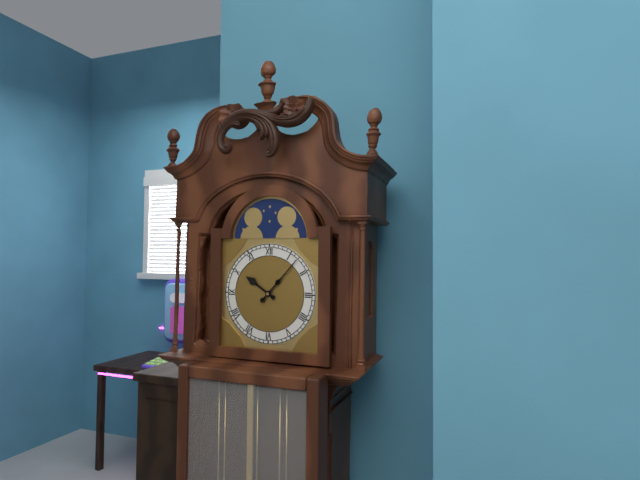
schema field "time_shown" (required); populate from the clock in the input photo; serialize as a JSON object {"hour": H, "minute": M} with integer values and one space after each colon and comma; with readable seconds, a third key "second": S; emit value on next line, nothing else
{"hour": 10, "minute": 7}
